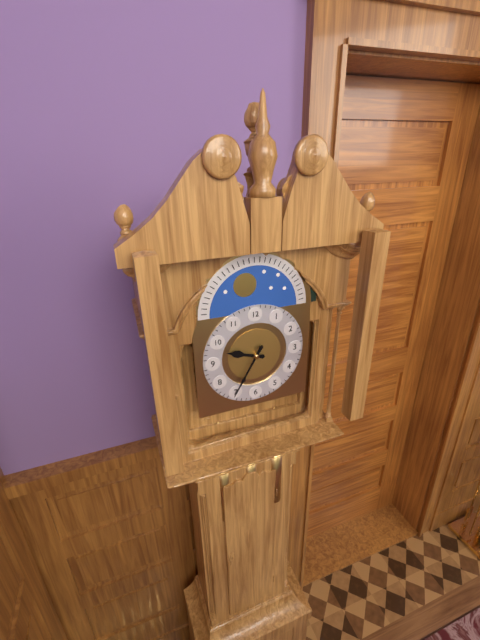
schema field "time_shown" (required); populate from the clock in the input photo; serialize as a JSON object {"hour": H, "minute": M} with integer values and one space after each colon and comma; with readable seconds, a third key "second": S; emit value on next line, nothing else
{"hour": 9, "minute": 35}
